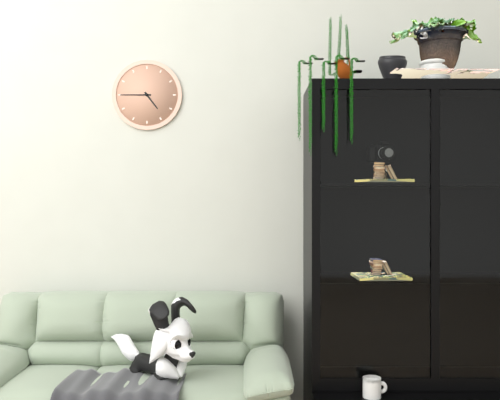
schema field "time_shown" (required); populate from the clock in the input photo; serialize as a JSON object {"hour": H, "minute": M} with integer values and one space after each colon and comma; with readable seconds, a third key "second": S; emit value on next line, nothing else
{"hour": 4, "minute": 45}
